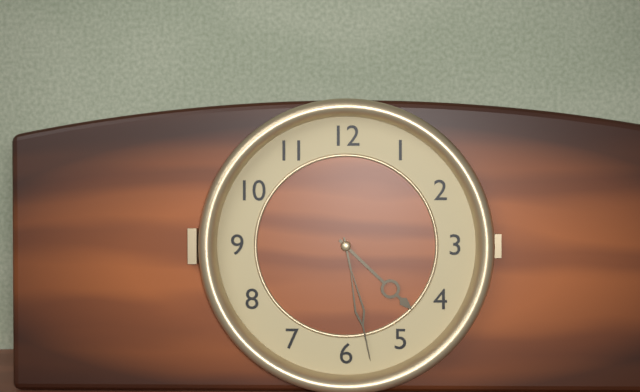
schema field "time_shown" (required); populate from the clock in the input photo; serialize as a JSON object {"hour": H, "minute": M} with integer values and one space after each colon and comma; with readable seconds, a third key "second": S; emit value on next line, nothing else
{"hour": 4, "minute": 28}
